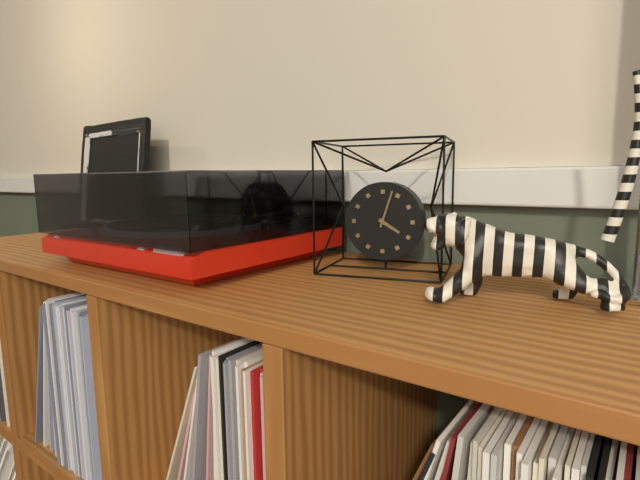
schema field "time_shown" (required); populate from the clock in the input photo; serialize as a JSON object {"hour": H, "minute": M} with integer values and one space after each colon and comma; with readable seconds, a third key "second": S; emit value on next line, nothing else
{"hour": 4, "minute": 3}
